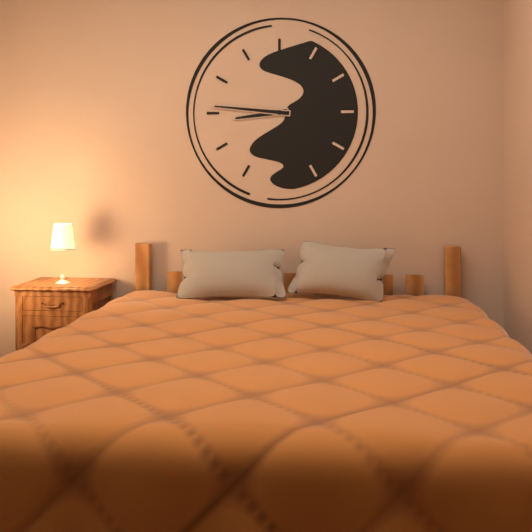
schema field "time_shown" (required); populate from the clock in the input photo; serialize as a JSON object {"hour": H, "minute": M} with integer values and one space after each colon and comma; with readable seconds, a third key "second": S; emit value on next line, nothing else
{"hour": 8, "minute": 46}
